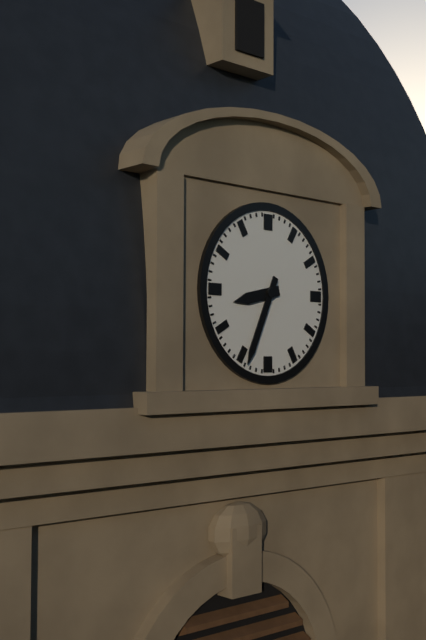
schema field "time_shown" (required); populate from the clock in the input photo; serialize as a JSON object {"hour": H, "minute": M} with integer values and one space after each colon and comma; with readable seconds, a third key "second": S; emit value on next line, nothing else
{"hour": 8, "minute": 34}
